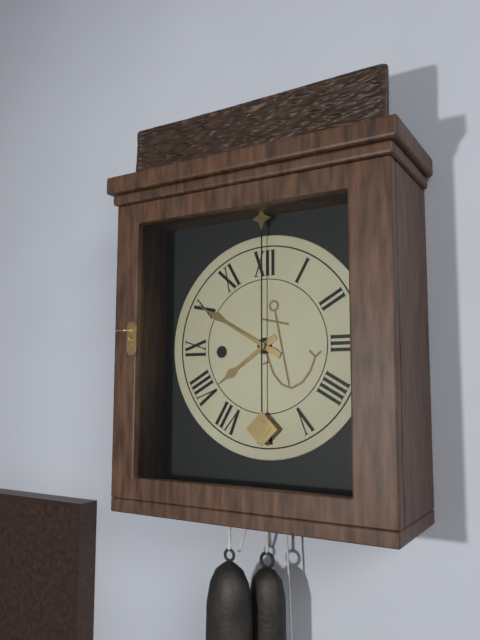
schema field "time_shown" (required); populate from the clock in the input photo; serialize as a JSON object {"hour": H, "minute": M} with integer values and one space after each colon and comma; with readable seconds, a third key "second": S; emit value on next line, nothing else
{"hour": 7, "minute": 50}
